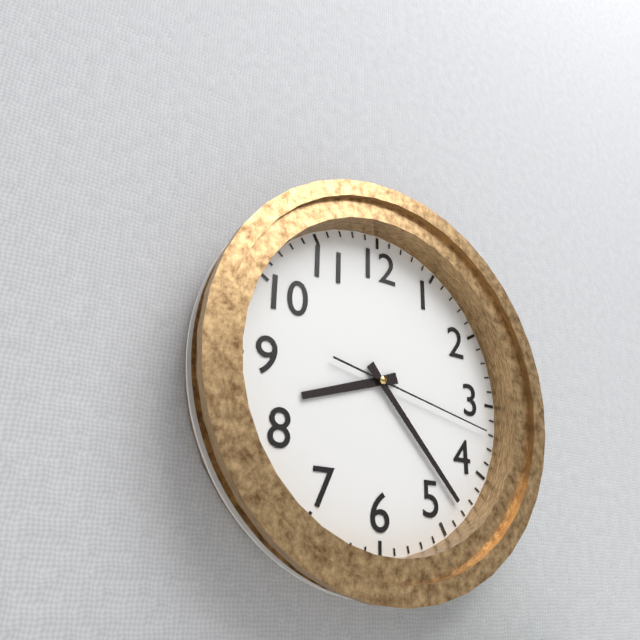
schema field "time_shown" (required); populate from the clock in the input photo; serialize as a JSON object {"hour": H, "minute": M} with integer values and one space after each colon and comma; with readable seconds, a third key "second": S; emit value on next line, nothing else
{"hour": 8, "minute": 23, "second": 17}
